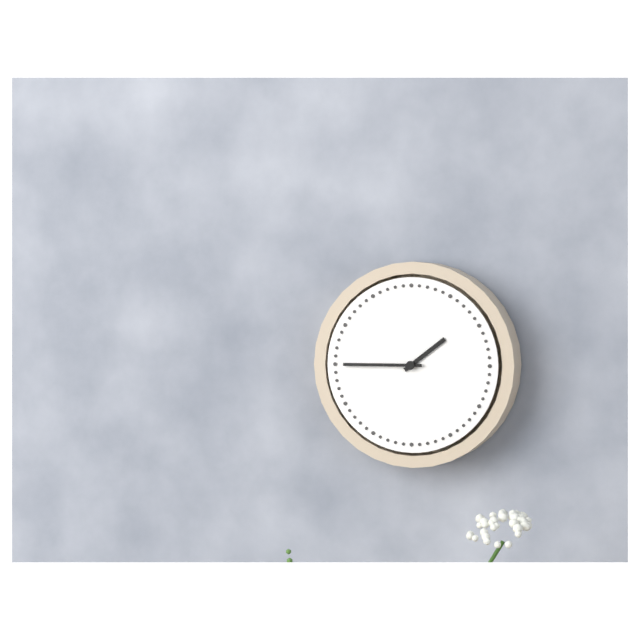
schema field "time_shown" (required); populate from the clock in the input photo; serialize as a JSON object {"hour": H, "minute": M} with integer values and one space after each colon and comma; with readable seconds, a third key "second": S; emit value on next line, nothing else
{"hour": 1, "minute": 45}
